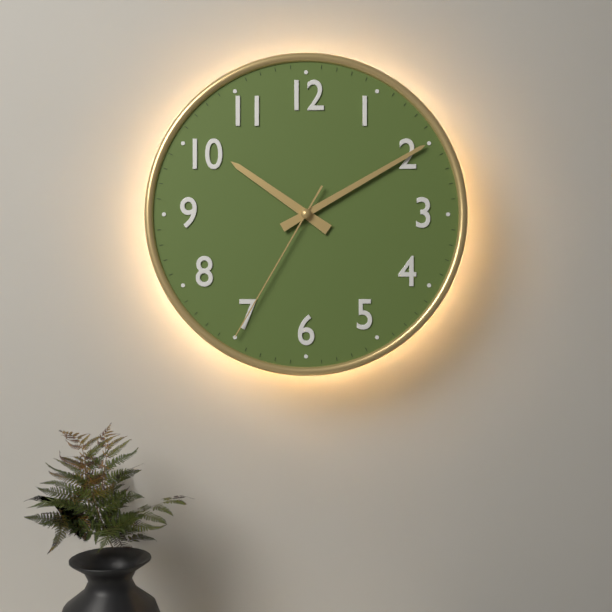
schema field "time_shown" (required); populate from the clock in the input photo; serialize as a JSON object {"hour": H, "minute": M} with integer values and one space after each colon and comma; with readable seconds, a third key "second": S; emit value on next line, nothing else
{"hour": 10, "minute": 10, "second": 35}
